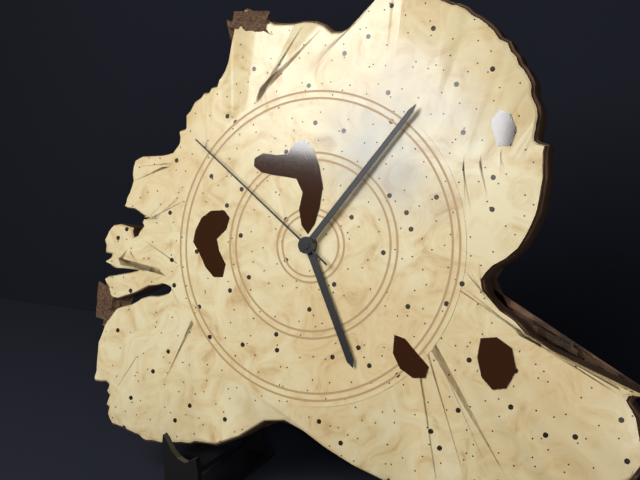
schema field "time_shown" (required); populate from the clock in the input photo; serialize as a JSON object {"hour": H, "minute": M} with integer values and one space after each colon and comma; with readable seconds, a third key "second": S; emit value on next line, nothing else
{"hour": 5, "minute": 6, "second": 51}
